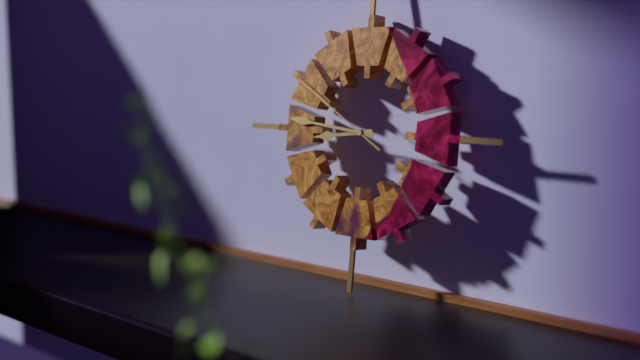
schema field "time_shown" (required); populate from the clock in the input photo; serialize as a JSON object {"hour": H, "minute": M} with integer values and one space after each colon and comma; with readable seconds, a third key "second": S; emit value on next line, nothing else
{"hour": 8, "minute": 46, "second": 50}
